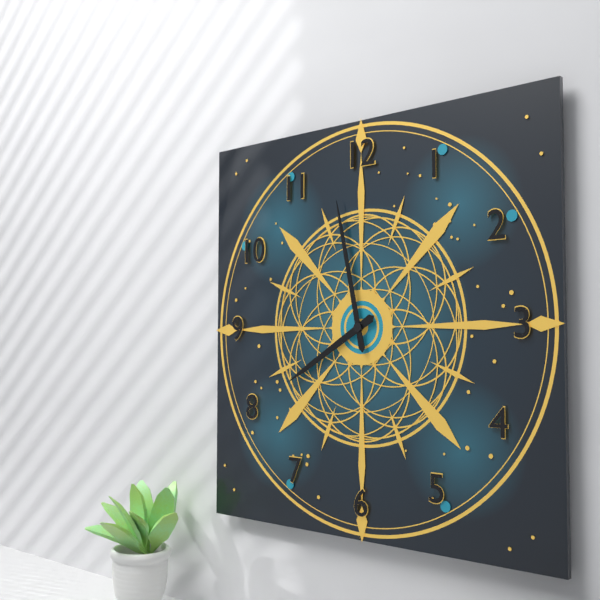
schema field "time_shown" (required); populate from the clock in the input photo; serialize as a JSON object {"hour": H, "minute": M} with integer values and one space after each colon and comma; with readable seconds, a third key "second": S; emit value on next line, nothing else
{"hour": 7, "minute": 58}
